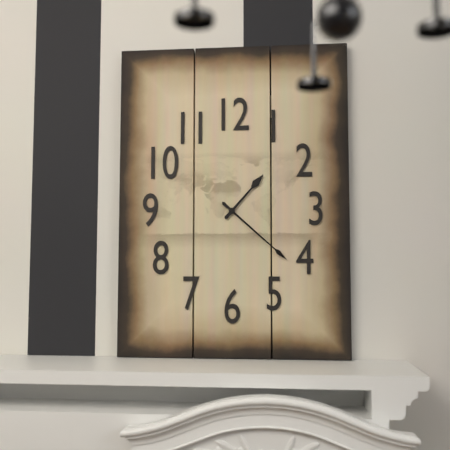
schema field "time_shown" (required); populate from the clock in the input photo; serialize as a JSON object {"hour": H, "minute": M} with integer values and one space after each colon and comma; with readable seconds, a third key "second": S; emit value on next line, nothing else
{"hour": 1, "minute": 22}
